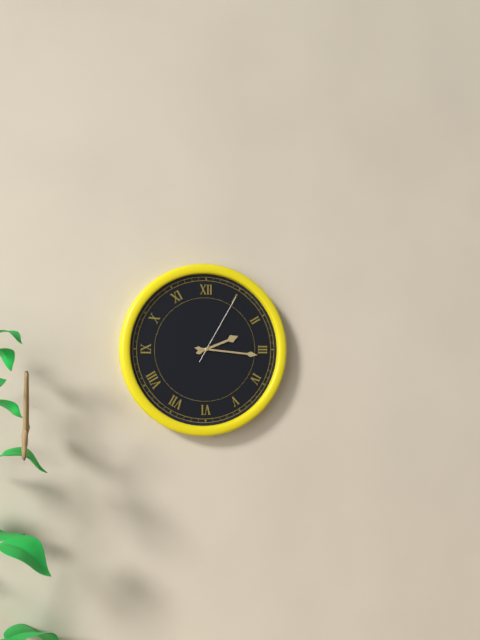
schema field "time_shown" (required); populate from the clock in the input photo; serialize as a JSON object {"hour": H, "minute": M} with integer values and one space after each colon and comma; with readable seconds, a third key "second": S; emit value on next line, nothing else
{"hour": 2, "minute": 16, "second": 5}
